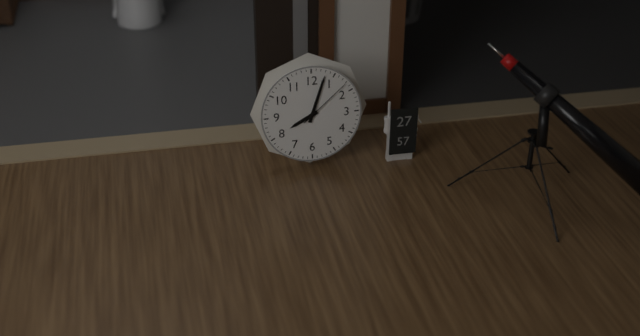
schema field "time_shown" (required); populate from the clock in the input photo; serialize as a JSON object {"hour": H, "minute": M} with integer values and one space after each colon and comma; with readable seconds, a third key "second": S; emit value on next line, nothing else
{"hour": 8, "minute": 3, "second": 8}
